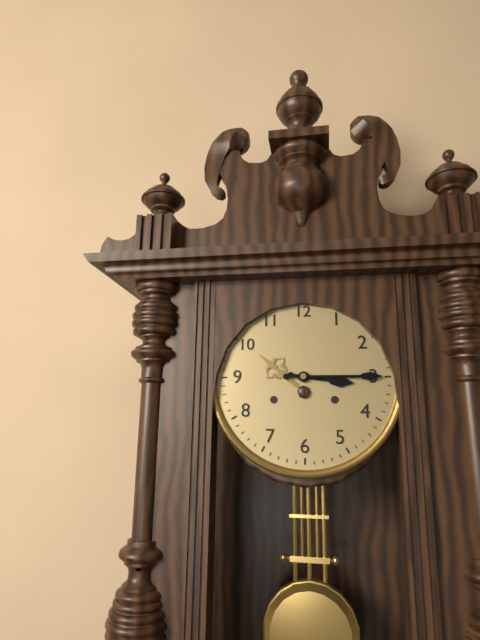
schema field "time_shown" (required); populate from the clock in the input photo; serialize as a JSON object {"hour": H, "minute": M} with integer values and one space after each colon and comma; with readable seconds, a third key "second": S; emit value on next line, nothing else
{"hour": 3, "minute": 15}
